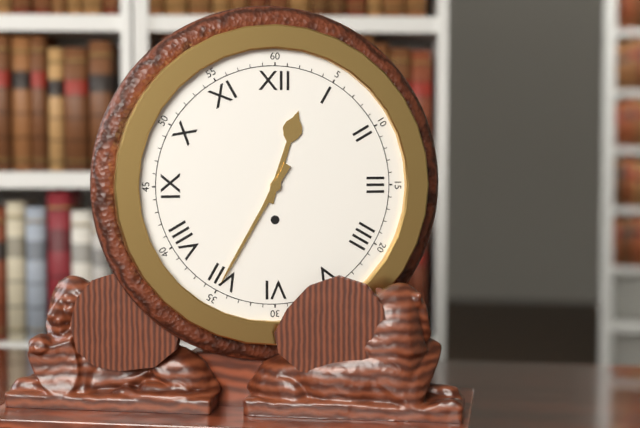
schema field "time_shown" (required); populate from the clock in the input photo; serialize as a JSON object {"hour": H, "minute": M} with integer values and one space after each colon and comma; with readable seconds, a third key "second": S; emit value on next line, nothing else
{"hour": 12, "minute": 35}
